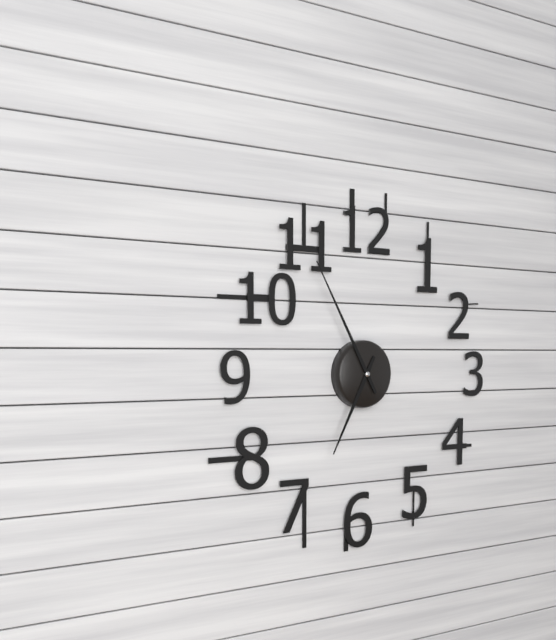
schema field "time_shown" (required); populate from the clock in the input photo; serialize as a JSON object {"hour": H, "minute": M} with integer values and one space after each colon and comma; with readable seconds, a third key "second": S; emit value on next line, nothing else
{"hour": 6, "minute": 55}
